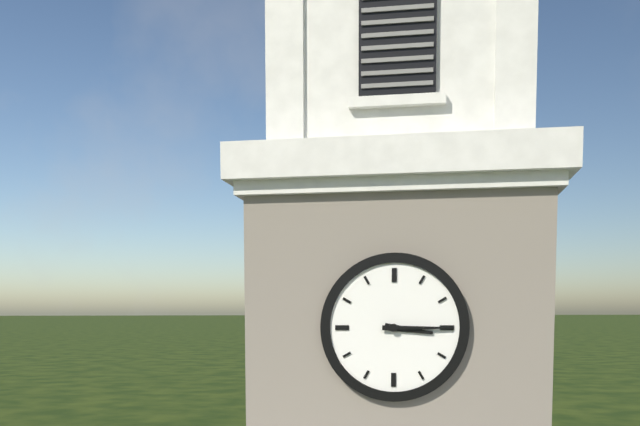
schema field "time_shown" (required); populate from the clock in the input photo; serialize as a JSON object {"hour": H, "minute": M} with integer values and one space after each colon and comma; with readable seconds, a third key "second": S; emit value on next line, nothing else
{"hour": 3, "minute": 15}
